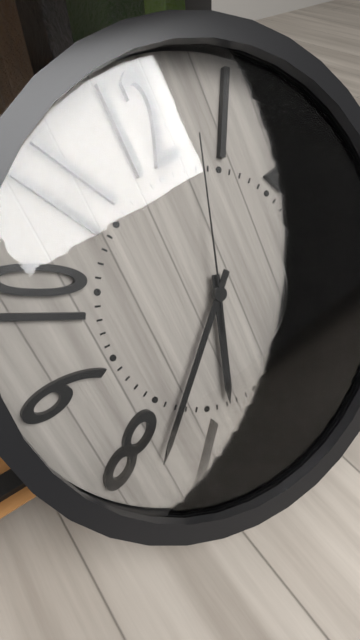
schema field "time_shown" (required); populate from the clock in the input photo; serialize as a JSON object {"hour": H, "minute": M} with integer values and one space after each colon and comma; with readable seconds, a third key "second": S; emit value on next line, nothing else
{"hour": 6, "minute": 38, "second": 3}
